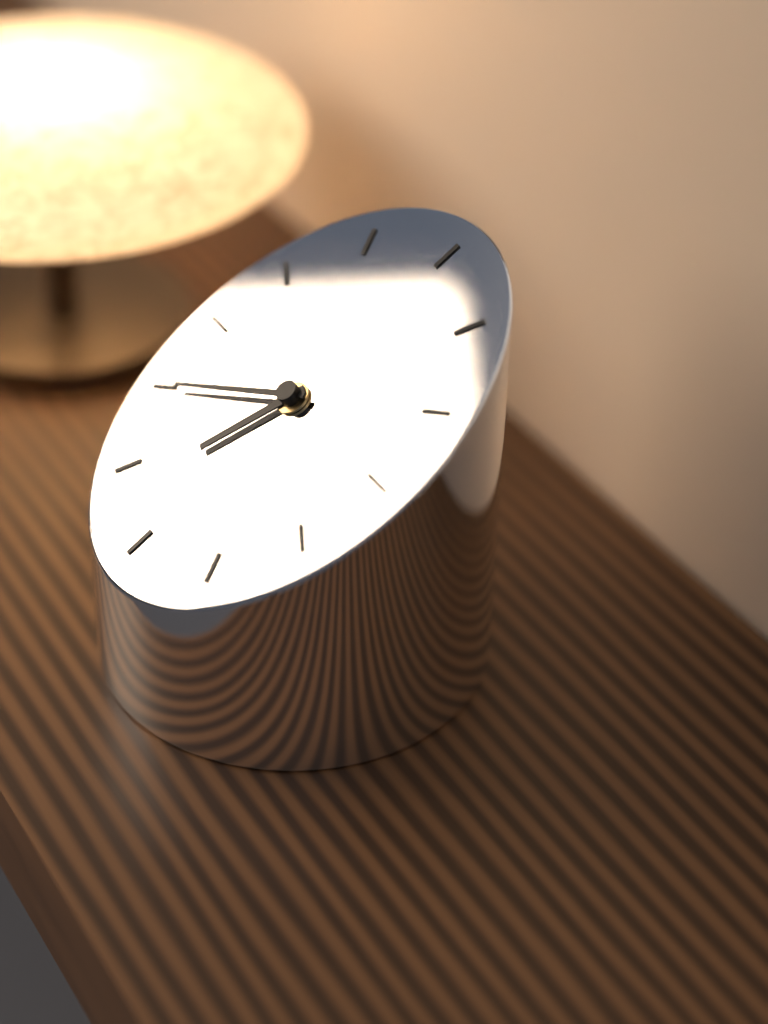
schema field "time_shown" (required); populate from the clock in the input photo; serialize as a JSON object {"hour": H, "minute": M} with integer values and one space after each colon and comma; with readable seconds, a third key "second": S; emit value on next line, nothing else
{"hour": 6, "minute": 40}
